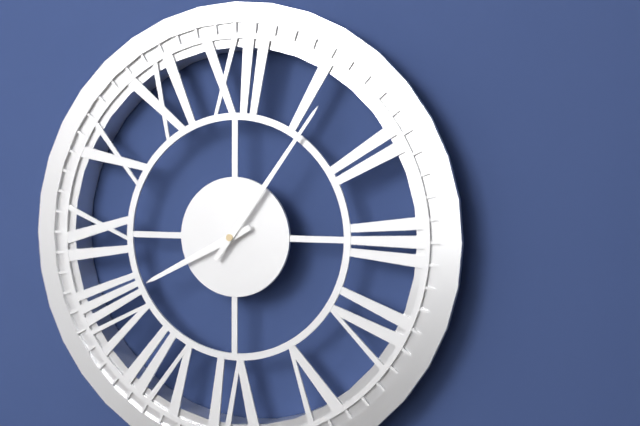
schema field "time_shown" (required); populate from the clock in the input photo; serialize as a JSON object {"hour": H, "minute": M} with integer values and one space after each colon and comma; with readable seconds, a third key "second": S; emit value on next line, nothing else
{"hour": 8, "minute": 6}
